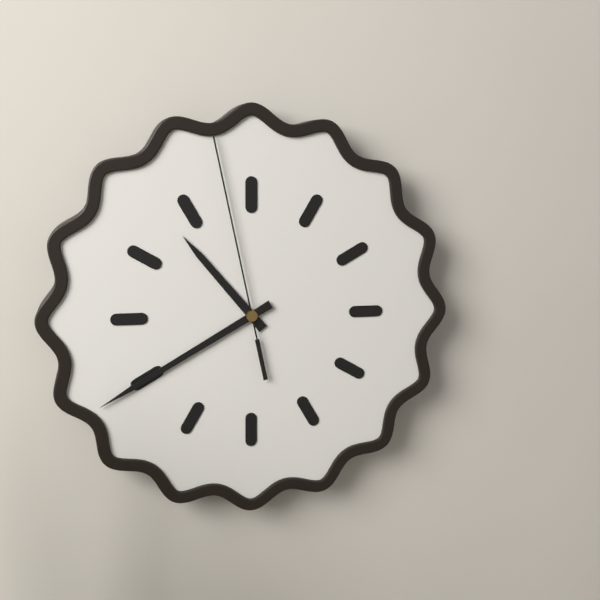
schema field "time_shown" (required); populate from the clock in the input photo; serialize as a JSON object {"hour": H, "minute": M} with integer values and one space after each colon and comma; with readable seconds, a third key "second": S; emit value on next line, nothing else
{"hour": 10, "minute": 40, "second": 58}
